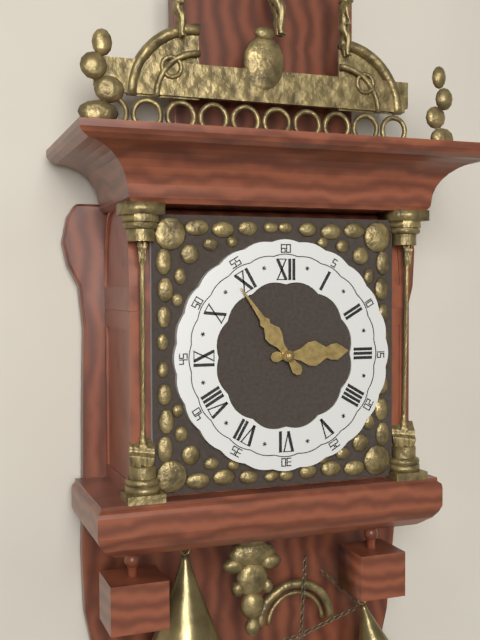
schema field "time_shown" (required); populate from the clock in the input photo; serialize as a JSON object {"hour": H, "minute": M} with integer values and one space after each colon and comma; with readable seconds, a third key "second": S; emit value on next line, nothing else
{"hour": 2, "minute": 54}
